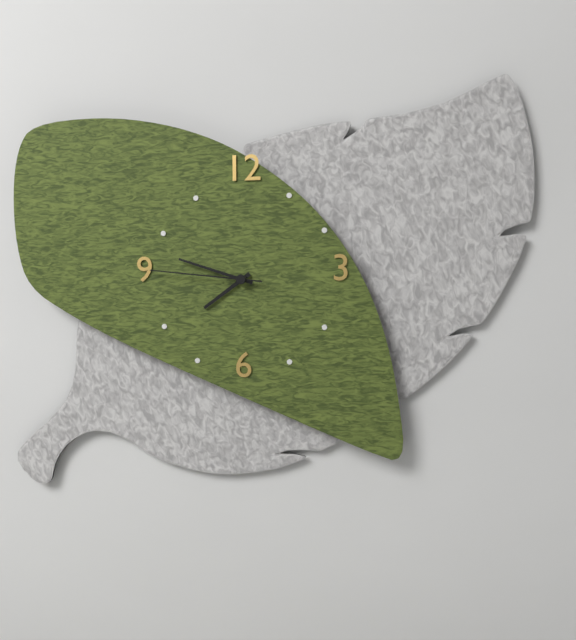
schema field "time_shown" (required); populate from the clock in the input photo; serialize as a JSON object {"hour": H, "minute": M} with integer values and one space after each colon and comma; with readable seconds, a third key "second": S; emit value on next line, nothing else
{"hour": 7, "minute": 48, "second": 46}
